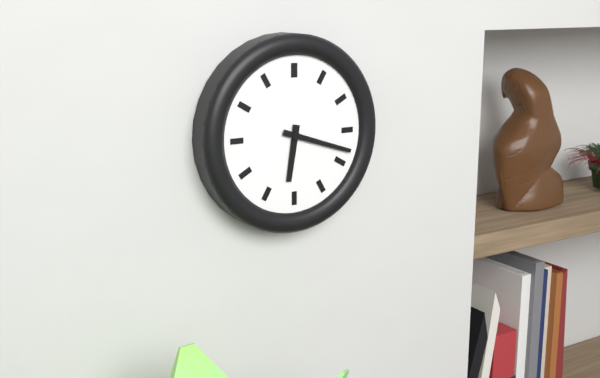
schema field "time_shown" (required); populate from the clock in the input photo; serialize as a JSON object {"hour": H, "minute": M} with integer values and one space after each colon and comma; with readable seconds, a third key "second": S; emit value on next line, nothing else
{"hour": 6, "minute": 18}
